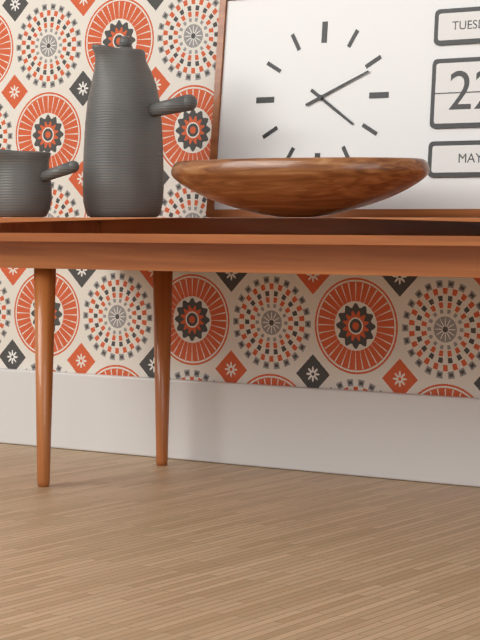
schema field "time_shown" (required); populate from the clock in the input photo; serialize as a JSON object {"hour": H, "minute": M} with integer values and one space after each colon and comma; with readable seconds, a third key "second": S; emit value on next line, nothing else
{"hour": 4, "minute": 11}
